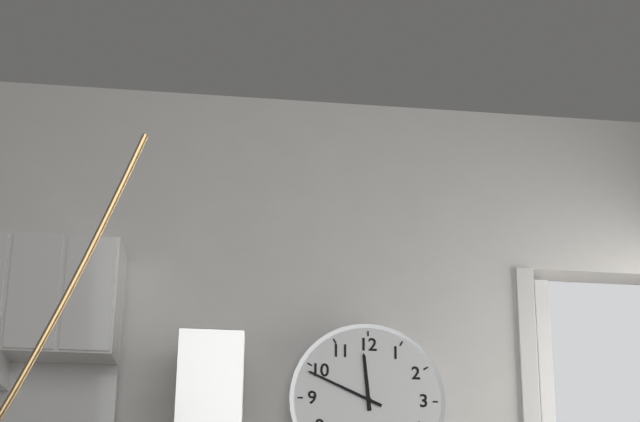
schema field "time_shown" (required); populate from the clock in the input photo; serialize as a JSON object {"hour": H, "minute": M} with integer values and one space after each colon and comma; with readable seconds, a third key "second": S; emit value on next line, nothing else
{"hour": 11, "minute": 49}
